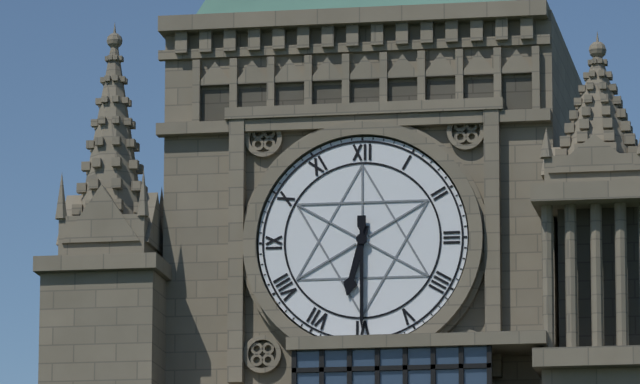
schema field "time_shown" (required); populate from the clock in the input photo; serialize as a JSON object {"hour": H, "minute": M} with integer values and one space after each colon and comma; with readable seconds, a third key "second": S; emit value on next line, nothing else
{"hour": 6, "minute": 30}
